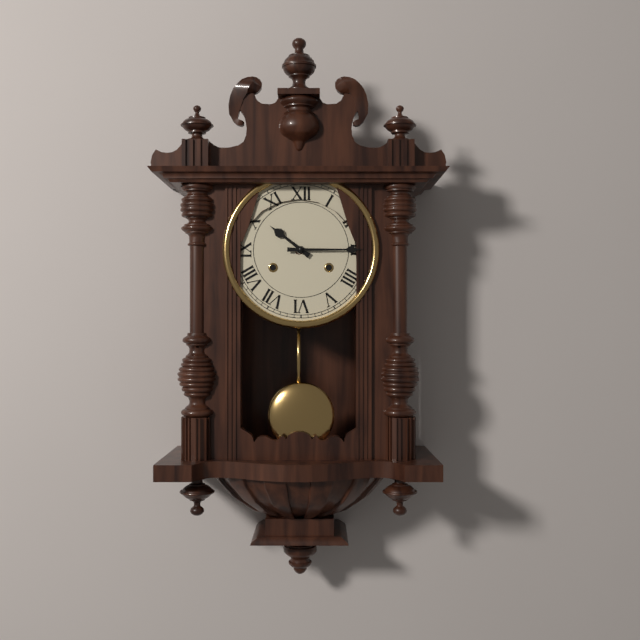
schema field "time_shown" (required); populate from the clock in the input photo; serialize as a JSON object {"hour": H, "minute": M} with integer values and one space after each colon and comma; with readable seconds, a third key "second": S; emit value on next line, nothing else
{"hour": 10, "minute": 15}
